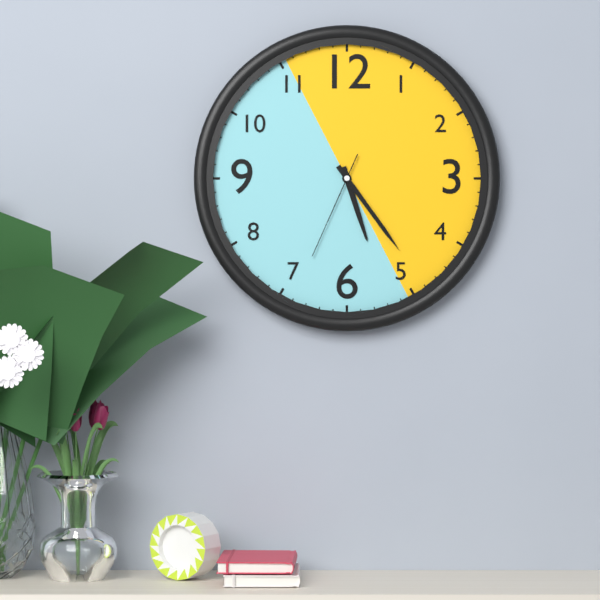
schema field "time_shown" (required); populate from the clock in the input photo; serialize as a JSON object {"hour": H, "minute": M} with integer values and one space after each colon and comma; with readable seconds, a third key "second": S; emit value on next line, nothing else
{"hour": 5, "minute": 24, "second": 34}
